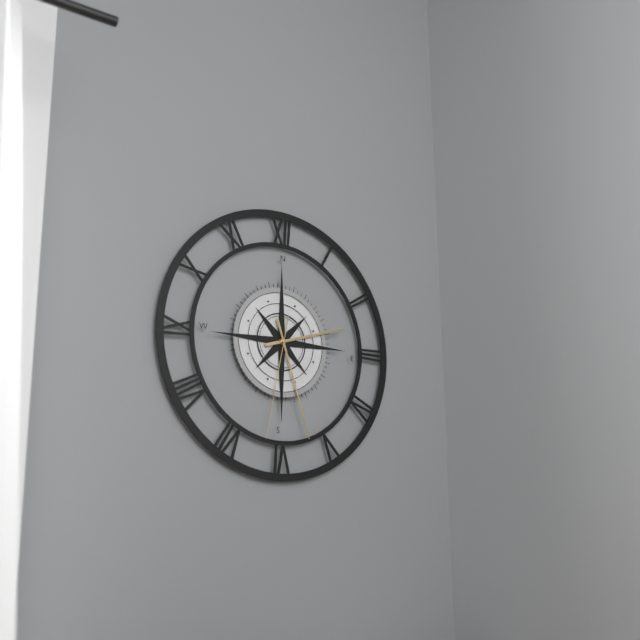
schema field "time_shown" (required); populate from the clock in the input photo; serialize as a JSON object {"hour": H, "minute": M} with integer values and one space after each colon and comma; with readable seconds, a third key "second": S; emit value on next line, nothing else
{"hour": 2, "minute": 27, "second": 32}
